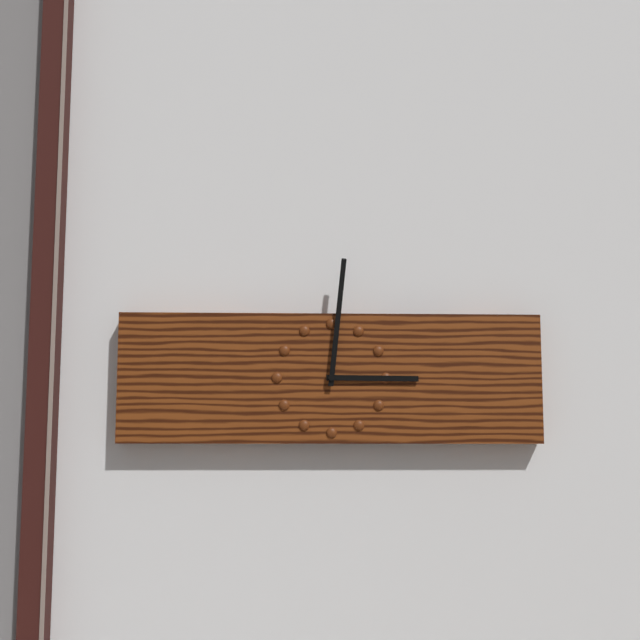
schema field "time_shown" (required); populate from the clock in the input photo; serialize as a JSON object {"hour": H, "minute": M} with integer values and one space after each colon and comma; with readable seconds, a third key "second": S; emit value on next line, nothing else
{"hour": 3, "minute": 1}
